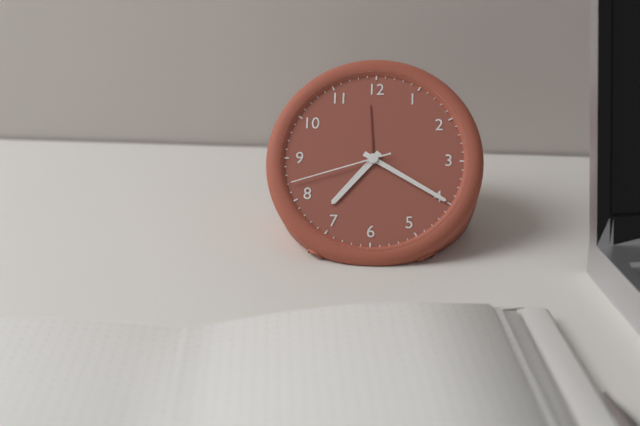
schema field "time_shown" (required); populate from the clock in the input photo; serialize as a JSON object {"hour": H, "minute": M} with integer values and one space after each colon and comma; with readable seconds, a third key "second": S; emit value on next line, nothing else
{"hour": 7, "minute": 20, "second": 42}
